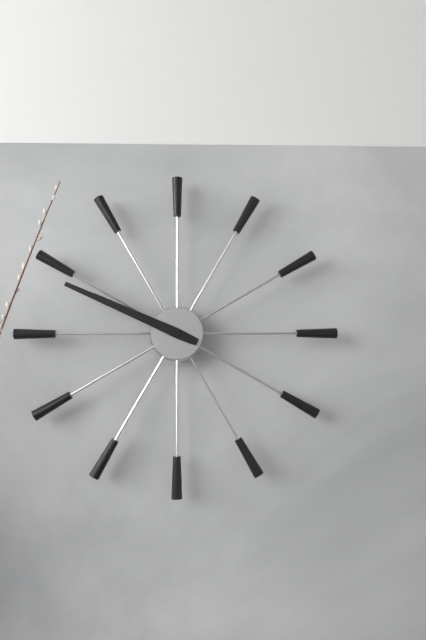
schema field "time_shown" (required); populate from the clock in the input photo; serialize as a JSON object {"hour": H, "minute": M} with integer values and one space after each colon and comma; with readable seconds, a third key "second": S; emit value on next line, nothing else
{"hour": 9, "minute": 49}
